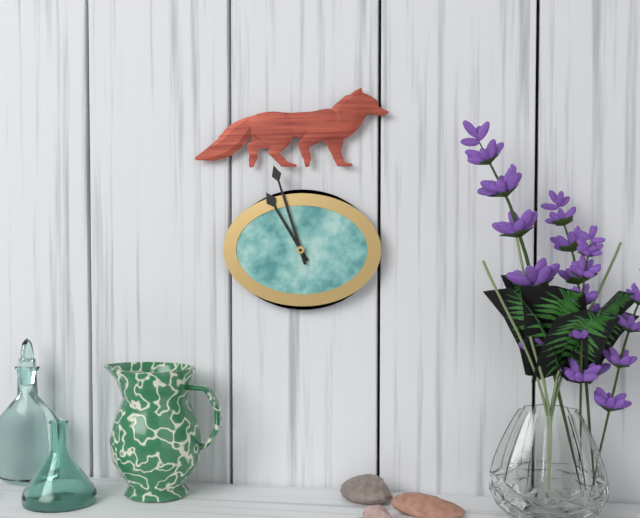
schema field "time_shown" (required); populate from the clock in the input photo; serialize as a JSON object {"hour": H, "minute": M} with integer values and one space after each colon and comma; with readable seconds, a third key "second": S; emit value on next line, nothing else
{"hour": 10, "minute": 57}
